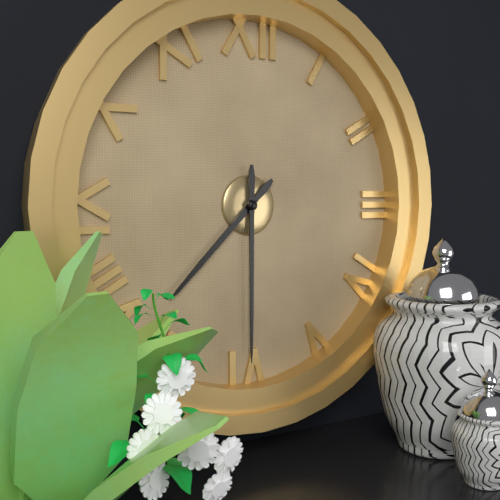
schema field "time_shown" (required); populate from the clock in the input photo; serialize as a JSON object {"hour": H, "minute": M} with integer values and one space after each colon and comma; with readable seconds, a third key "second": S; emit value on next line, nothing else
{"hour": 7, "minute": 30}
